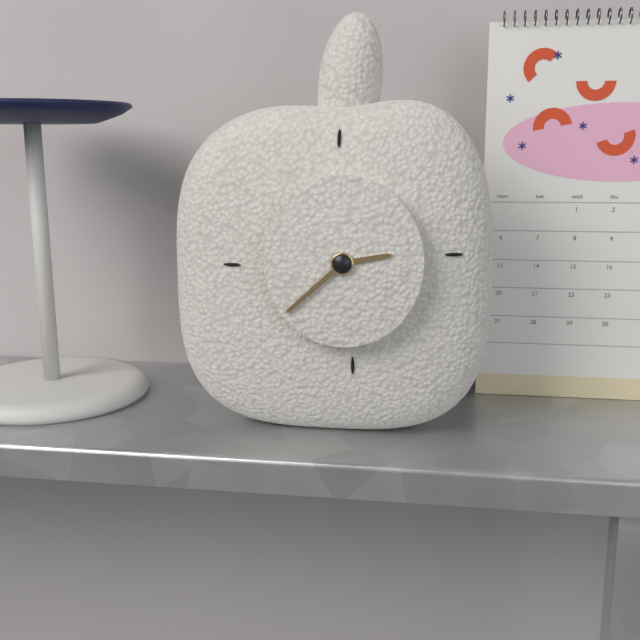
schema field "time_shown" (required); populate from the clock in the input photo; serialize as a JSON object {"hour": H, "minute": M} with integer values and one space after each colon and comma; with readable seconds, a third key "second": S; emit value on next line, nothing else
{"hour": 2, "minute": 38}
